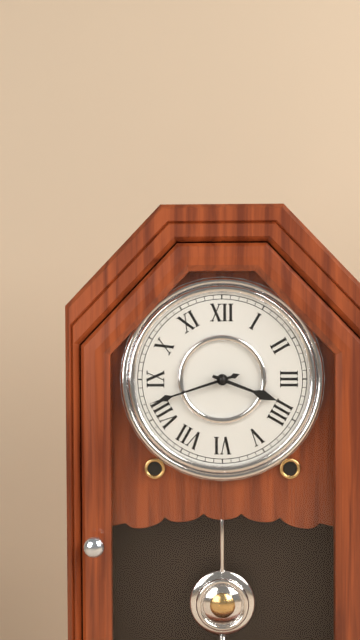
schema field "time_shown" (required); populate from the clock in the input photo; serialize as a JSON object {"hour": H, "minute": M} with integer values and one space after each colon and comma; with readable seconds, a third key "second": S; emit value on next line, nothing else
{"hour": 3, "minute": 42}
